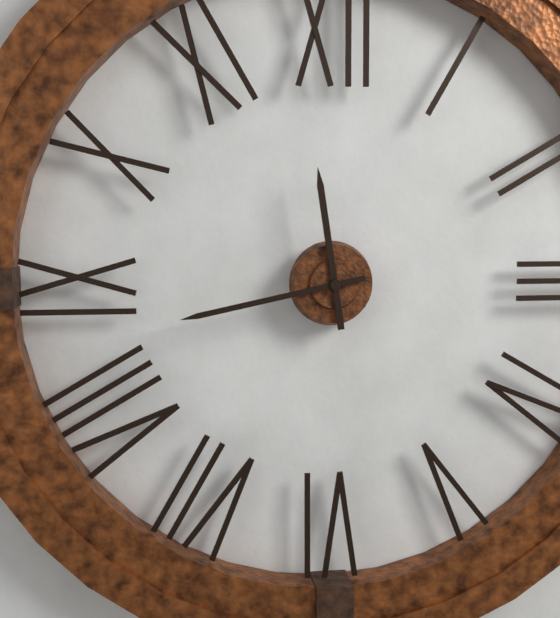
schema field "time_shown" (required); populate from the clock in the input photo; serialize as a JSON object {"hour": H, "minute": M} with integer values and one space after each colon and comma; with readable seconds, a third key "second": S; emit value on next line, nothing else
{"hour": 11, "minute": 43}
